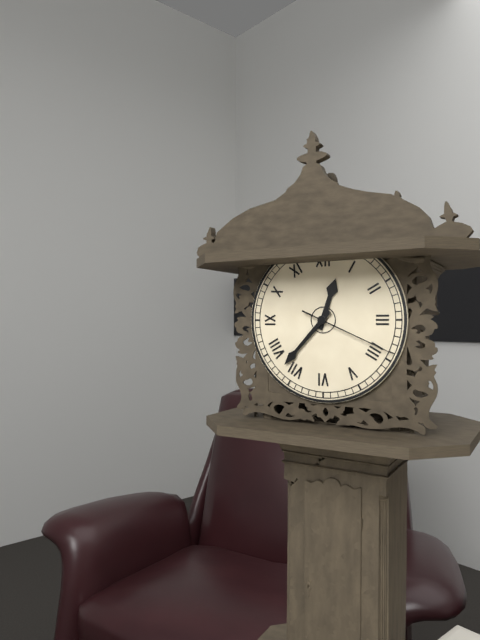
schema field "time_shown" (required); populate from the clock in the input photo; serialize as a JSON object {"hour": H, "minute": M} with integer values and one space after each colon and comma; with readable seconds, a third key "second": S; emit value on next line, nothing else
{"hour": 12, "minute": 37, "second": 19}
